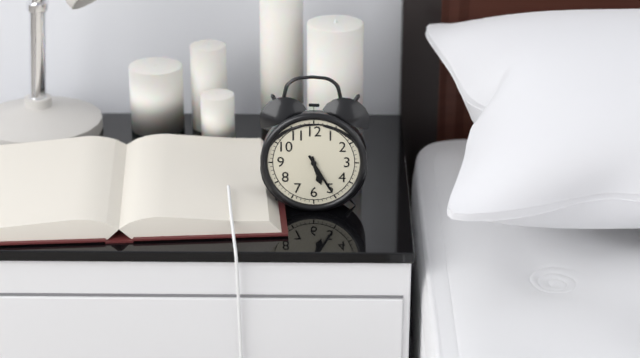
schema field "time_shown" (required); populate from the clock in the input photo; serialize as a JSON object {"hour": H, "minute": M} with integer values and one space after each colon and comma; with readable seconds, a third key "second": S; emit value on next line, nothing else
{"hour": 5, "minute": 25}
